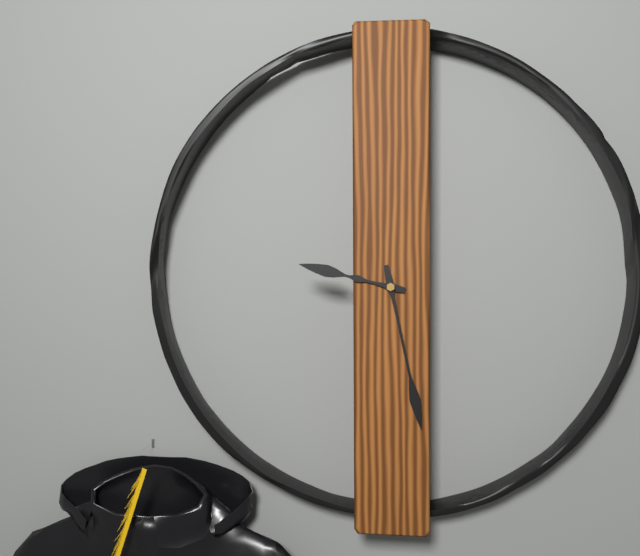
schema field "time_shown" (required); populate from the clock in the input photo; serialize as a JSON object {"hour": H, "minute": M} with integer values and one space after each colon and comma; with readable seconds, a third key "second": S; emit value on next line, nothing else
{"hour": 9, "minute": 28}
